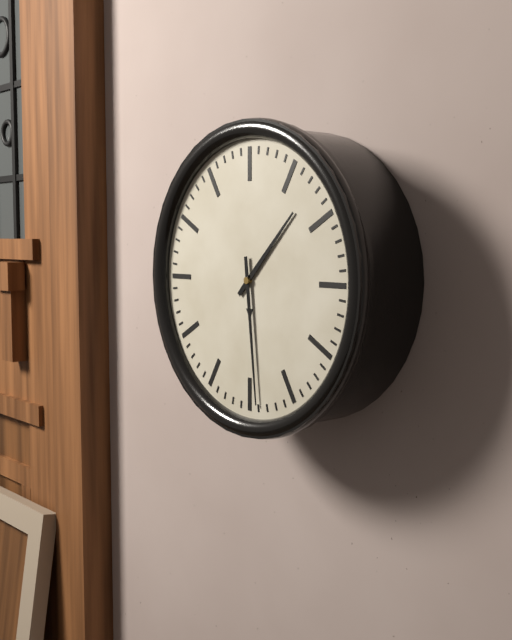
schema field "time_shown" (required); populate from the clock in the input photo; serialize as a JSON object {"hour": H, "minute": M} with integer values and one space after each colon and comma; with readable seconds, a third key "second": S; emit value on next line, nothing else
{"hour": 1, "minute": 29}
